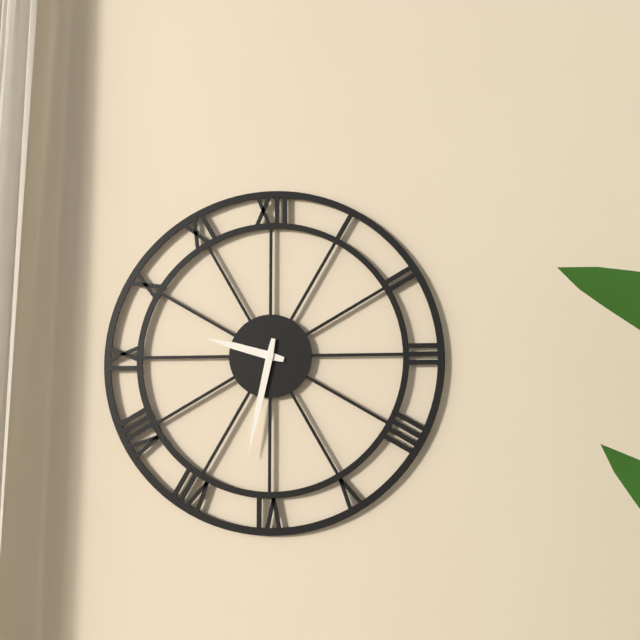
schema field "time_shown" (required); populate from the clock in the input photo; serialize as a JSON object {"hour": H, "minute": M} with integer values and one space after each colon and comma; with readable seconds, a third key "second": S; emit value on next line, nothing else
{"hour": 9, "minute": 32}
